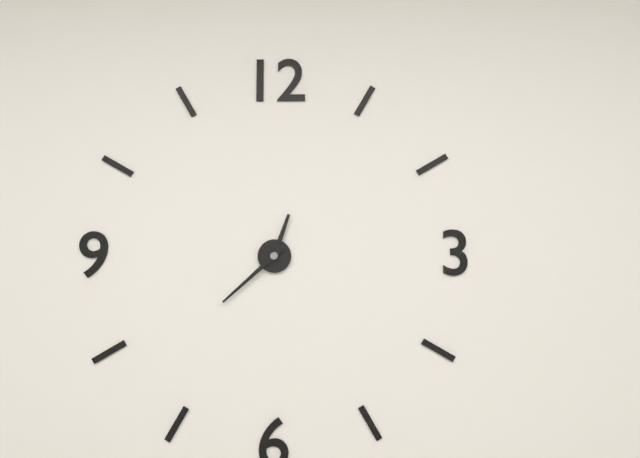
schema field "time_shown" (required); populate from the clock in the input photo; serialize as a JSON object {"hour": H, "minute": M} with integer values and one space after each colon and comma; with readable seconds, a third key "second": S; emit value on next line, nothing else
{"hour": 12, "minute": 38}
